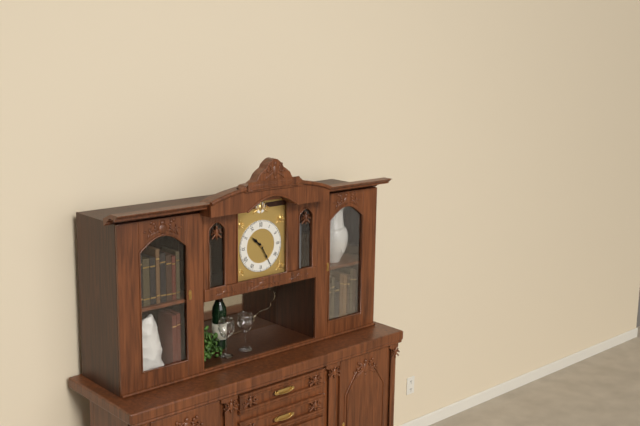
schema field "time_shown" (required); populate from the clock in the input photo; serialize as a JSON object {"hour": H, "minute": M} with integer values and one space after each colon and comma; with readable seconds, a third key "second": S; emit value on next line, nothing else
{"hour": 10, "minute": 25}
